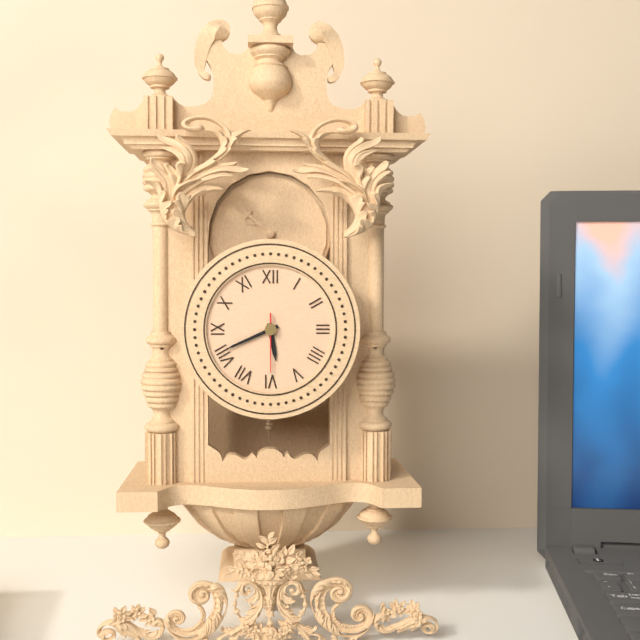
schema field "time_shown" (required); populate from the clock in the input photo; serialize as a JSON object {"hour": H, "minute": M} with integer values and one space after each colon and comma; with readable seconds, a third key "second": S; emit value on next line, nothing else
{"hour": 5, "minute": 41, "second": 30}
